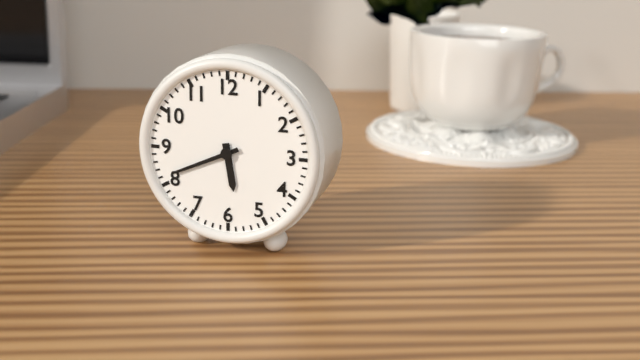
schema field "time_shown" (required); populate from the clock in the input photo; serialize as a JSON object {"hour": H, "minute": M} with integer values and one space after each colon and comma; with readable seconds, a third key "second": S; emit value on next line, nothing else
{"hour": 5, "minute": 41}
